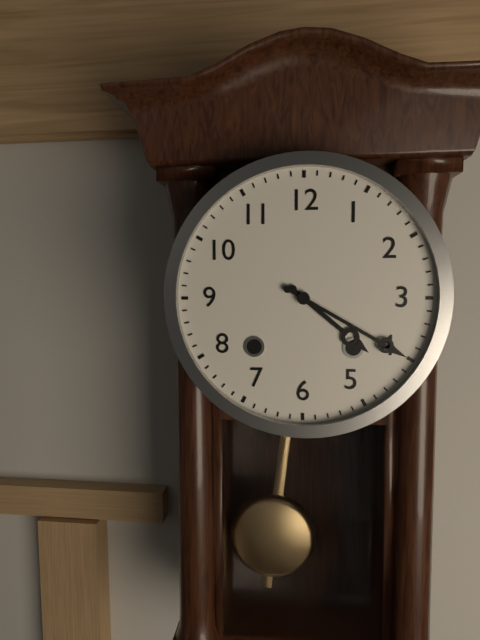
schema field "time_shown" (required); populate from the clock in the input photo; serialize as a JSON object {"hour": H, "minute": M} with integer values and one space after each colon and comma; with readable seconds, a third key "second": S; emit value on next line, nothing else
{"hour": 4, "minute": 20}
